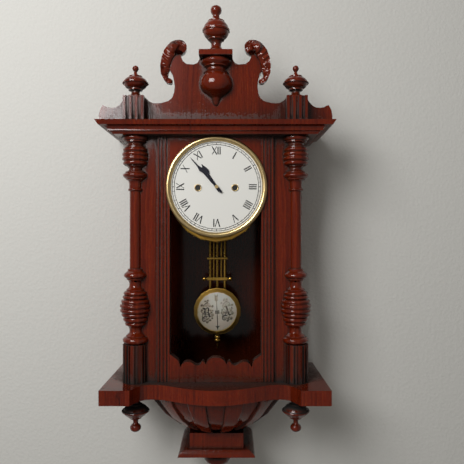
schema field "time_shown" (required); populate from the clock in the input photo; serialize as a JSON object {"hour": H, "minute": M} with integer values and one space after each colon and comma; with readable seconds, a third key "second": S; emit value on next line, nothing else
{"hour": 10, "minute": 53}
